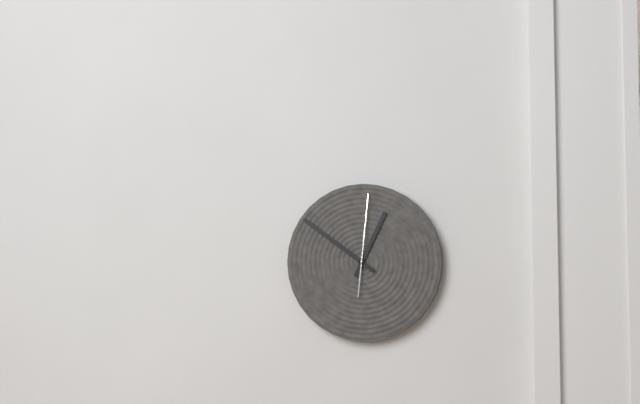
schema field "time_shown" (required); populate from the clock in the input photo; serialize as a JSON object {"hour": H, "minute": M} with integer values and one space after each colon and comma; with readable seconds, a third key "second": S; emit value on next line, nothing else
{"hour": 12, "minute": 51, "second": 1}
